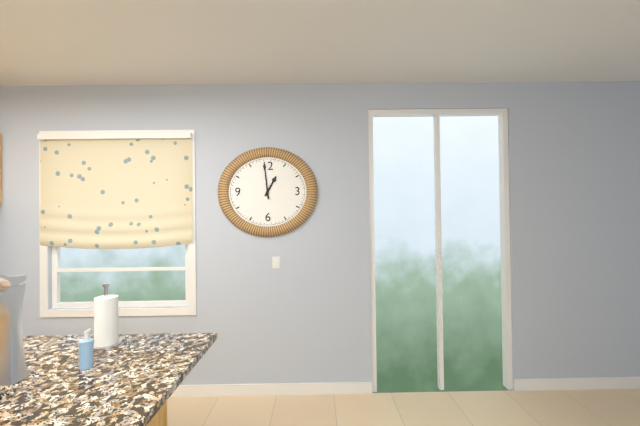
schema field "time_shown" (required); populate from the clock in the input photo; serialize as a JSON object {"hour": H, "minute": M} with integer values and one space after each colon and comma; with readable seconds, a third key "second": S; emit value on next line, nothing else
{"hour": 12, "minute": 59}
